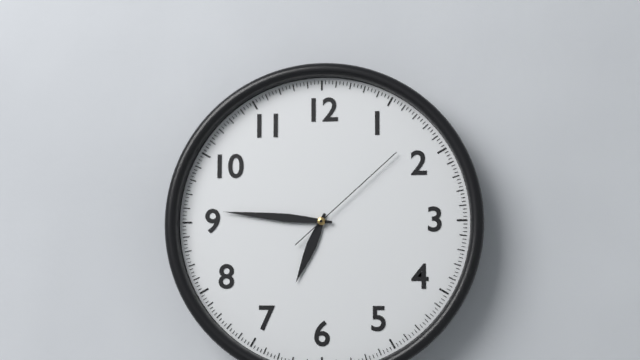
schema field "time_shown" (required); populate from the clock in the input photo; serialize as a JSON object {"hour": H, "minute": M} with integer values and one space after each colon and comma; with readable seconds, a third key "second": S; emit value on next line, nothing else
{"hour": 6, "minute": 46, "second": 8}
